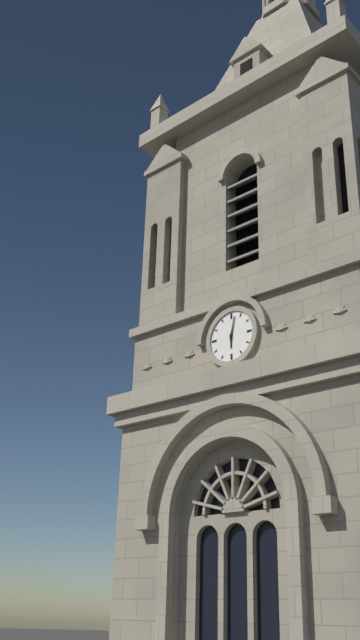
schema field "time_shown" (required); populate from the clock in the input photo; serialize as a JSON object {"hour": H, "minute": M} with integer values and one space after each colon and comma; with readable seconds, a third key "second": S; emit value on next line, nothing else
{"hour": 6, "minute": 2}
